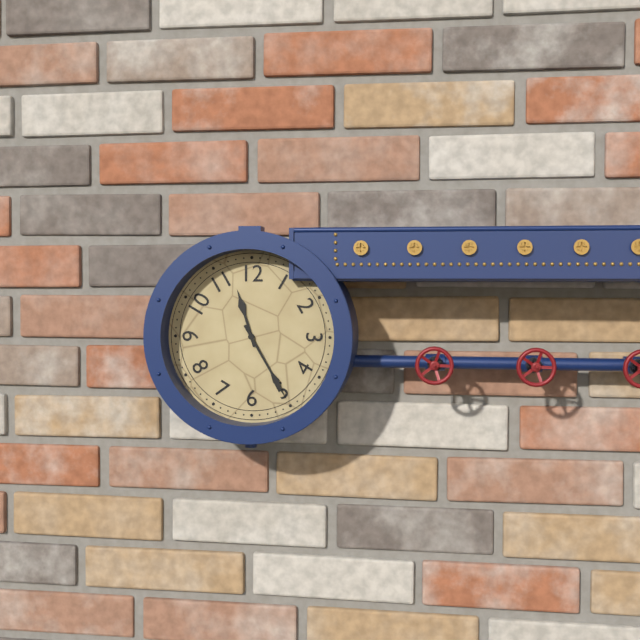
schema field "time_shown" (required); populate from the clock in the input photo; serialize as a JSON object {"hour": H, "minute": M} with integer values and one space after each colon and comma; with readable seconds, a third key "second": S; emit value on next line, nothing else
{"hour": 11, "minute": 25}
